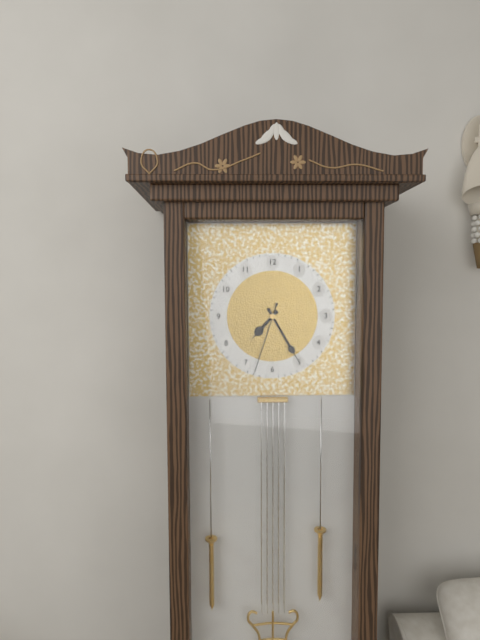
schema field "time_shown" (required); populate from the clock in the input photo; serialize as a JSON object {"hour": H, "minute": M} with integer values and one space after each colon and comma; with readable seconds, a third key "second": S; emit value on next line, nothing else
{"hour": 7, "minute": 25, "second": 33}
